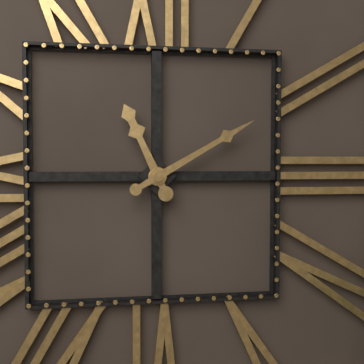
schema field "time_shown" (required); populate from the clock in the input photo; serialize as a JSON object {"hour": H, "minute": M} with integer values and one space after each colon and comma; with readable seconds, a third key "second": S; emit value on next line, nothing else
{"hour": 11, "minute": 10}
